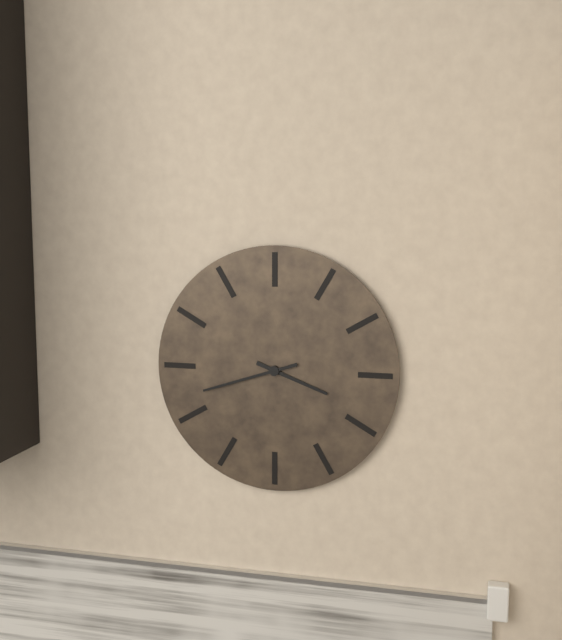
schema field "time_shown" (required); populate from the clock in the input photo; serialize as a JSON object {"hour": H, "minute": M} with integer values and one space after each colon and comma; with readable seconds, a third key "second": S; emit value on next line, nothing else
{"hour": 3, "minute": 42}
